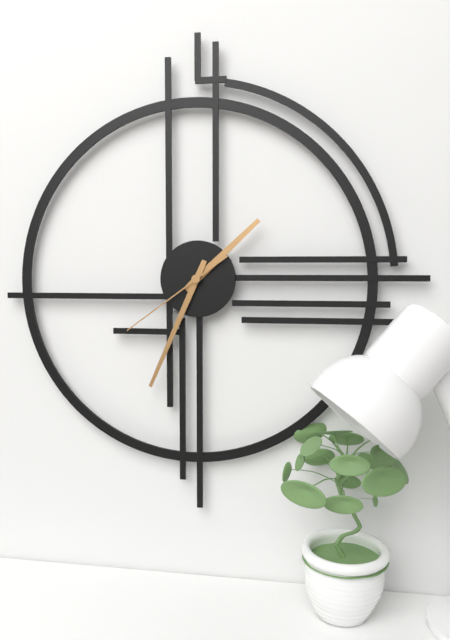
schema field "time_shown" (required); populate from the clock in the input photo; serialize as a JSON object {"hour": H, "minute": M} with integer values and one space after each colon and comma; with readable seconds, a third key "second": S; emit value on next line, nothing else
{"hour": 1, "minute": 34, "second": 39}
